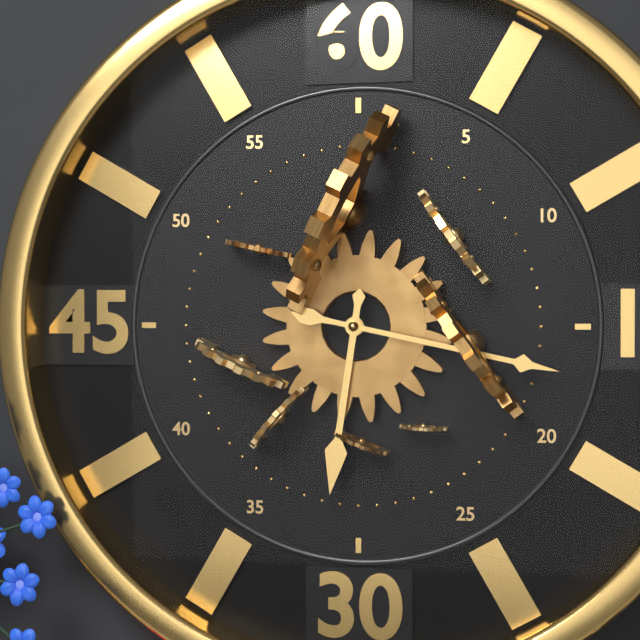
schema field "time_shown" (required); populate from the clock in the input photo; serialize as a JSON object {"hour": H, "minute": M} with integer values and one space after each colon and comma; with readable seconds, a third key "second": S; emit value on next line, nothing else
{"hour": 6, "minute": 17}
